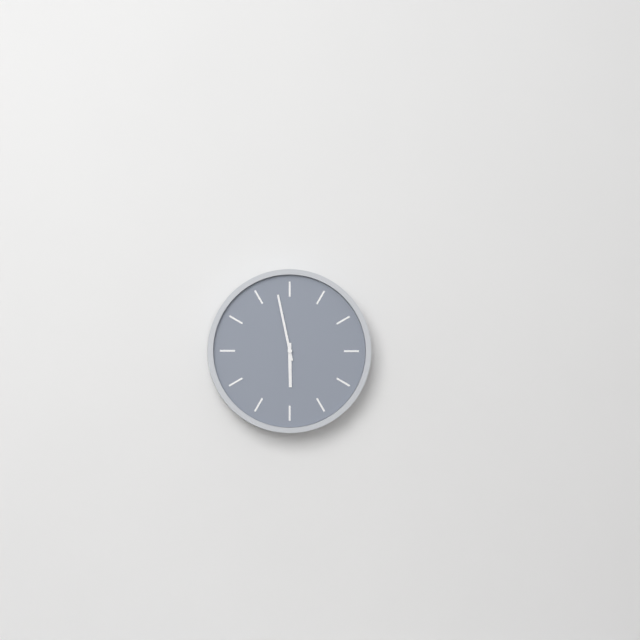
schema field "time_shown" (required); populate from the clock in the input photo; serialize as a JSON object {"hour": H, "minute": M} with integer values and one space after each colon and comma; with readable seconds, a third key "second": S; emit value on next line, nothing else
{"hour": 5, "minute": 58}
